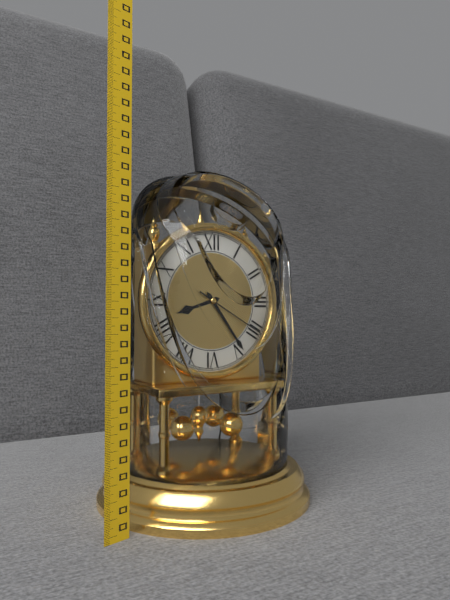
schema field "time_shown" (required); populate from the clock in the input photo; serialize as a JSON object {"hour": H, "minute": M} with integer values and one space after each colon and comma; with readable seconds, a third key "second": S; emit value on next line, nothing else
{"hour": 8, "minute": 24, "second": 20}
